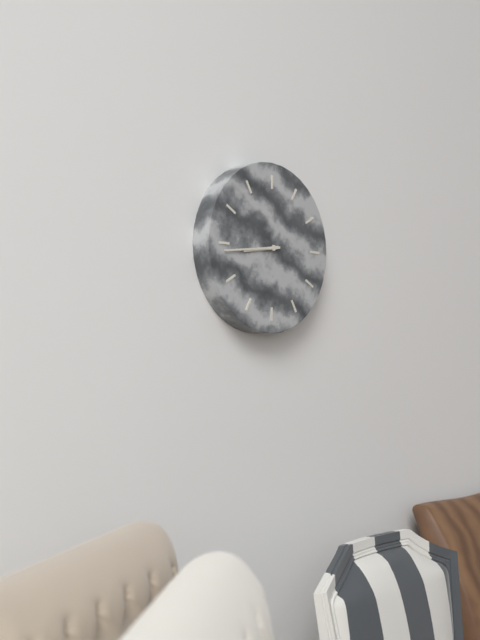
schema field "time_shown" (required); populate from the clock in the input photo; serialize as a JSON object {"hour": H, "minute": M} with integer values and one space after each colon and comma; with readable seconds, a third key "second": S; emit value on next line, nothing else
{"hour": 8, "minute": 44}
